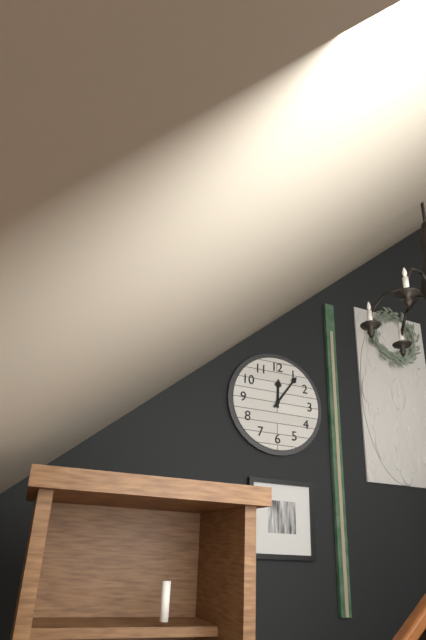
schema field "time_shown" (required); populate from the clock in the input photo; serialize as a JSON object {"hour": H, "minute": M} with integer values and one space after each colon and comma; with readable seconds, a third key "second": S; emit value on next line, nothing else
{"hour": 12, "minute": 6}
